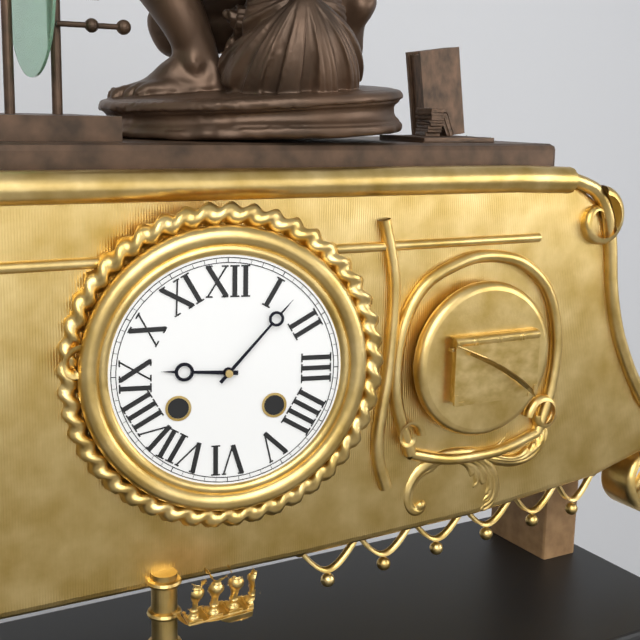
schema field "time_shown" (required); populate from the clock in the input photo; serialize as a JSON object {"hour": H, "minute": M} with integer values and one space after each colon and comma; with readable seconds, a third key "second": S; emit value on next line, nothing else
{"hour": 9, "minute": 7}
